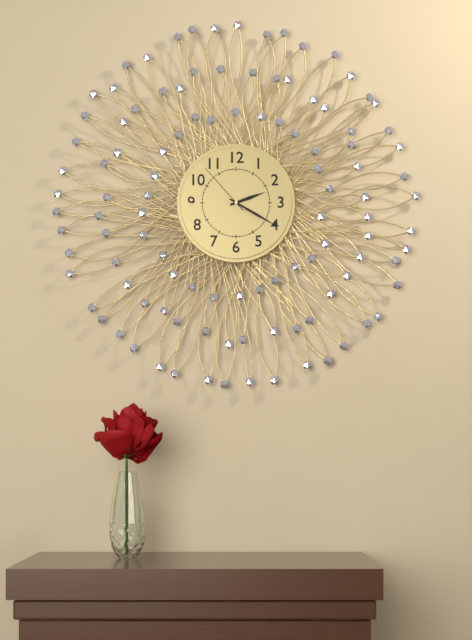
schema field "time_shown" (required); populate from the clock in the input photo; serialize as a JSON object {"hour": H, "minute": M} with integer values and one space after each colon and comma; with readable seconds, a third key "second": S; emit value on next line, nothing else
{"hour": 2, "minute": 20, "second": 53}
